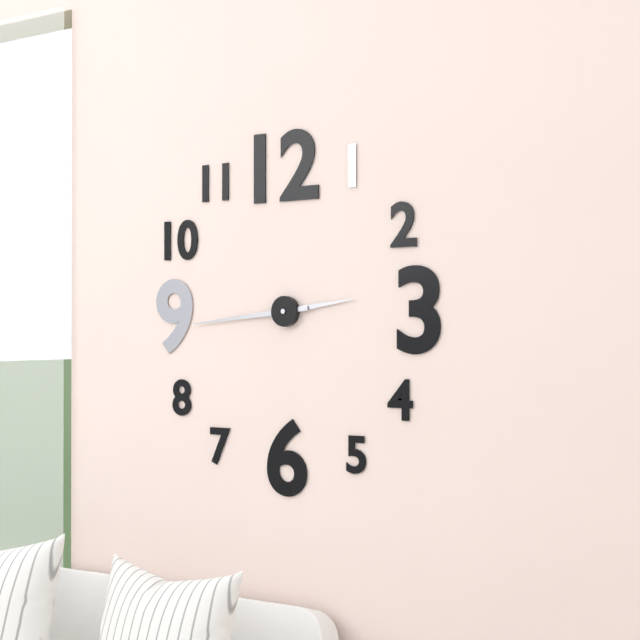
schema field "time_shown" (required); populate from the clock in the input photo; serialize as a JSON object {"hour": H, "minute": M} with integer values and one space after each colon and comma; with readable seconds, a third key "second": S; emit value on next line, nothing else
{"hour": 2, "minute": 44}
